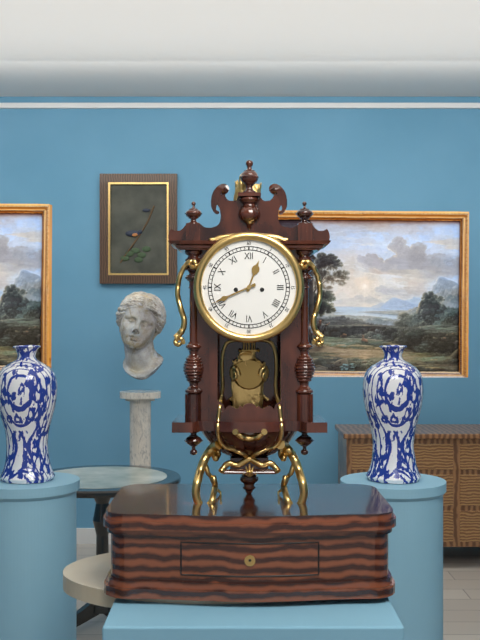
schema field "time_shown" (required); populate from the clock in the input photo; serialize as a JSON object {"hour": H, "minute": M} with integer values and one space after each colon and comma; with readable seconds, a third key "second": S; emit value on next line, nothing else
{"hour": 12, "minute": 41}
